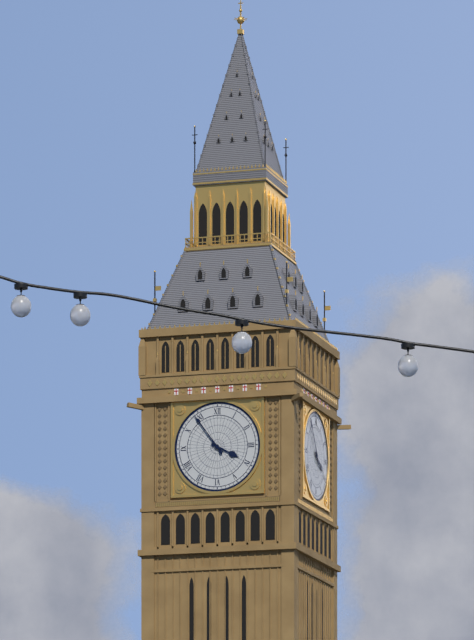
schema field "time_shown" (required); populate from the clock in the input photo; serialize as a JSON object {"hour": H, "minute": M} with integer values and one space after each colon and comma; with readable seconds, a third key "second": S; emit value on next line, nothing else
{"hour": 3, "minute": 54}
